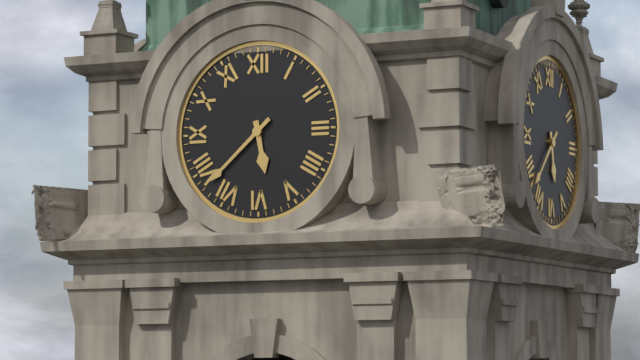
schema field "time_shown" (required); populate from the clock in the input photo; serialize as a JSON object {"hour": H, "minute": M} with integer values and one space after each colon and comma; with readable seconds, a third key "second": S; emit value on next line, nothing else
{"hour": 5, "minute": 38}
